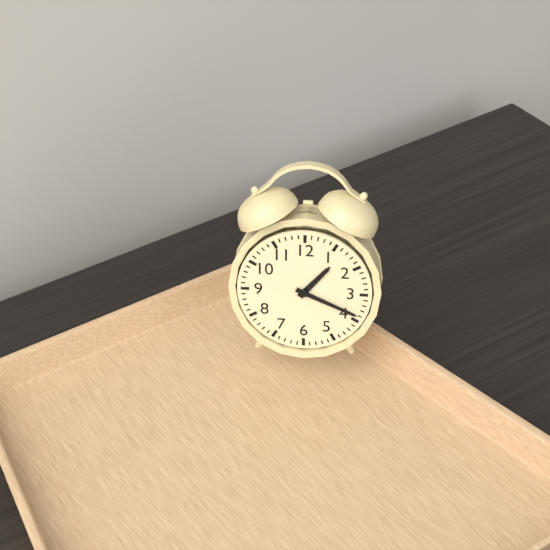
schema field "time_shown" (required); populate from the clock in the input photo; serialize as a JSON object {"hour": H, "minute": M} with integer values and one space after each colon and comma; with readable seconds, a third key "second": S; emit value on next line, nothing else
{"hour": 1, "minute": 19}
